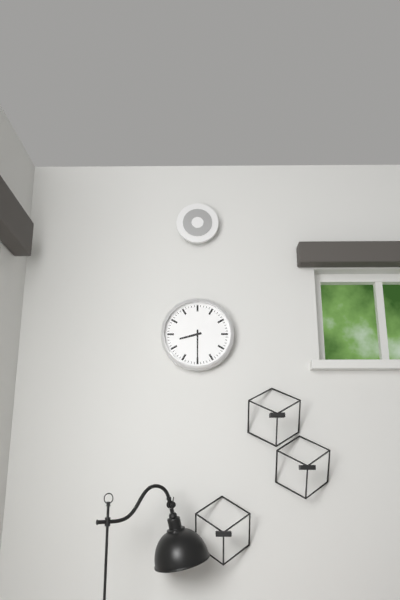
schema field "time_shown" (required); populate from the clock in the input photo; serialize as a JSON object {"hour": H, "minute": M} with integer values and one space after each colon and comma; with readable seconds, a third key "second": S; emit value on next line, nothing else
{"hour": 8, "minute": 30}
